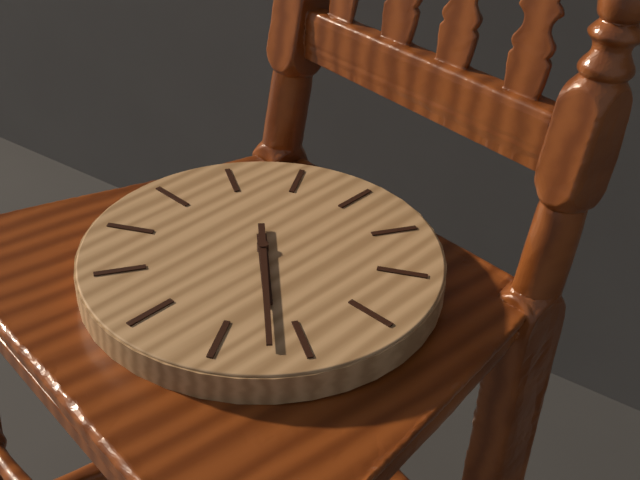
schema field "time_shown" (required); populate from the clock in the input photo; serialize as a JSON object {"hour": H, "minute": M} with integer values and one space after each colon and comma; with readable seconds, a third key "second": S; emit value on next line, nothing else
{"hour": 4, "minute": 22}
